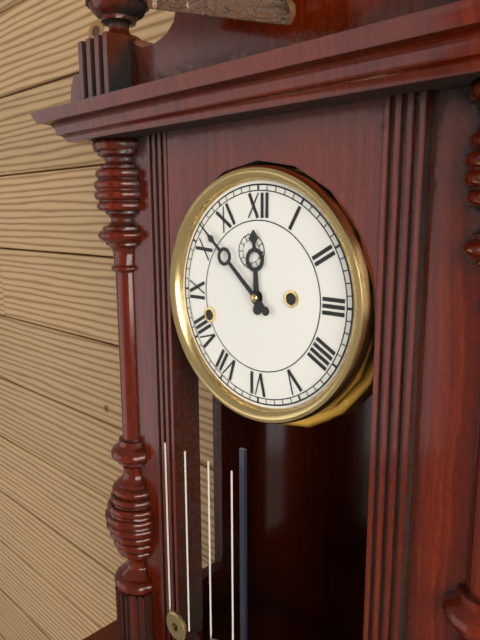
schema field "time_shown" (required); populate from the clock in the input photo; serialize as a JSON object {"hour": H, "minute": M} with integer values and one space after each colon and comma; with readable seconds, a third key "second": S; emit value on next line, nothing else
{"hour": 11, "minute": 52}
